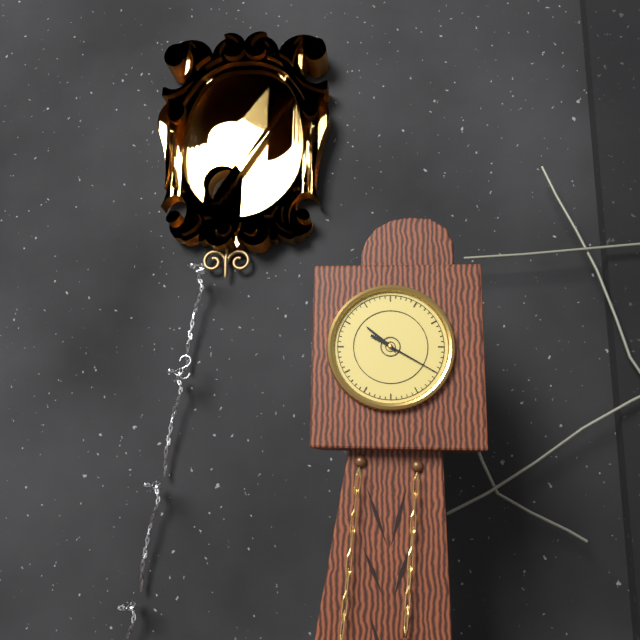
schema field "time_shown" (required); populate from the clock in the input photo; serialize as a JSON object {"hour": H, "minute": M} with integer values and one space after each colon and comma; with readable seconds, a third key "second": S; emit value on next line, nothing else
{"hour": 10, "minute": 20}
